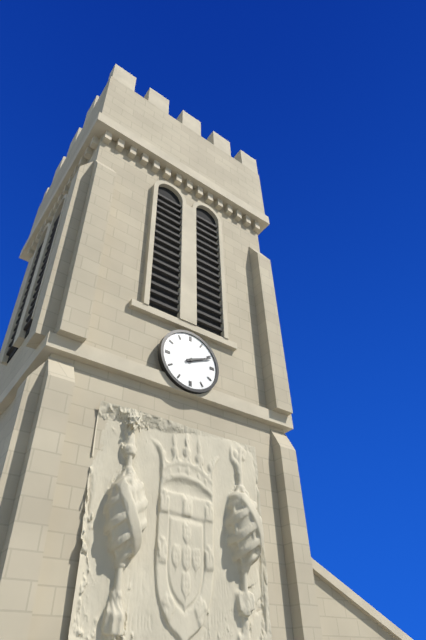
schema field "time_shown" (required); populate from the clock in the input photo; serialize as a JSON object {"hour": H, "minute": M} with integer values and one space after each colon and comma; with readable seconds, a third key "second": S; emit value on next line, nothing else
{"hour": 2, "minute": 11}
